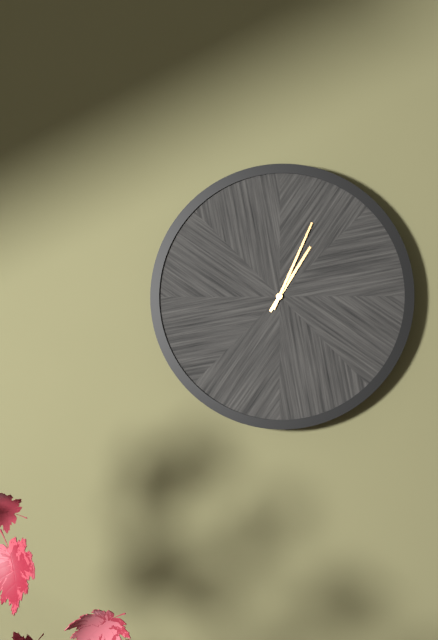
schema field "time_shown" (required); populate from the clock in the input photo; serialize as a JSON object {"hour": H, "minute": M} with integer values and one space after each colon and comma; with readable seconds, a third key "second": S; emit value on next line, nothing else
{"hour": 1, "minute": 4}
